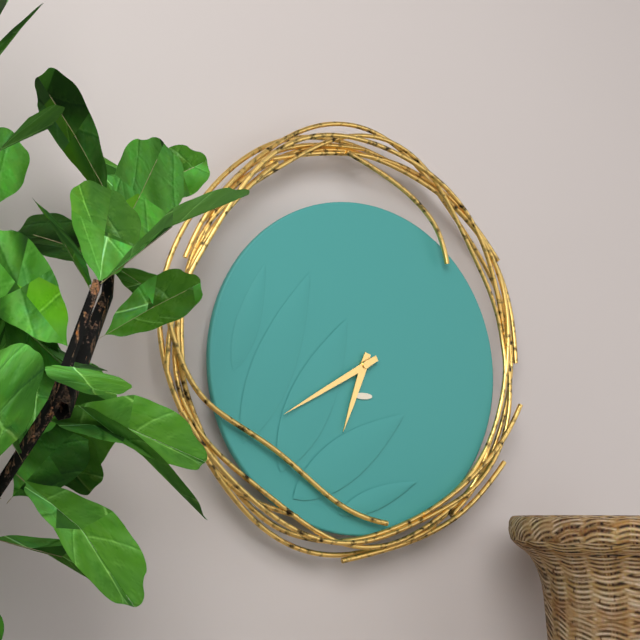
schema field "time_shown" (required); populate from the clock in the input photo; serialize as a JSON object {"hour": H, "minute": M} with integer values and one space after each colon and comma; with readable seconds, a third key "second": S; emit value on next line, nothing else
{"hour": 6, "minute": 40}
